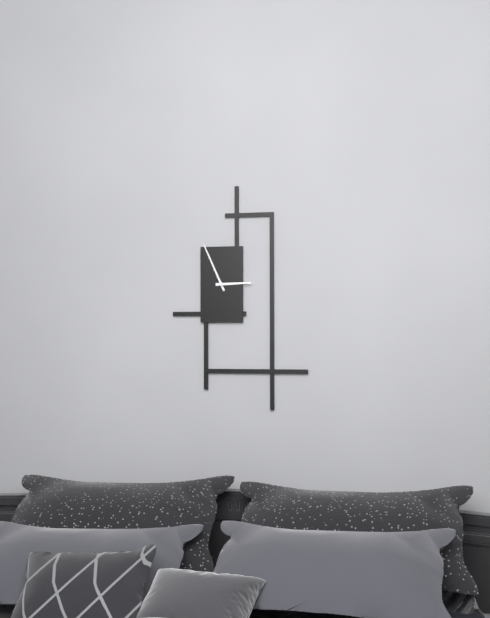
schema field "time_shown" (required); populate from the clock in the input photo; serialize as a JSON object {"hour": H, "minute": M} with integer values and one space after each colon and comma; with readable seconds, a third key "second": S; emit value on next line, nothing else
{"hour": 2, "minute": 56}
